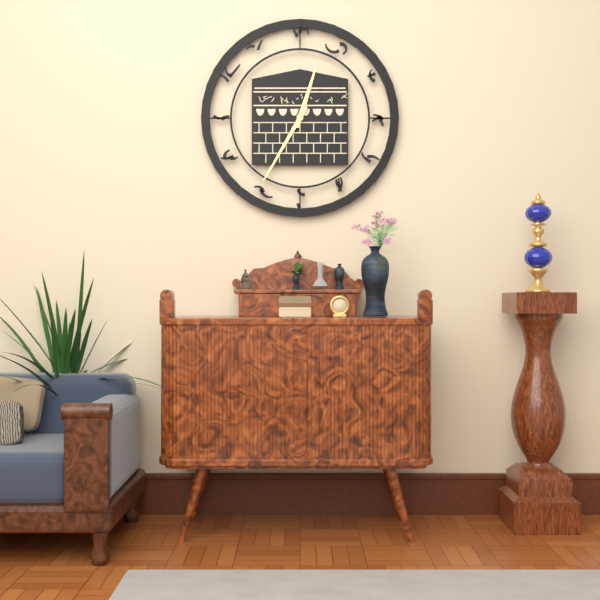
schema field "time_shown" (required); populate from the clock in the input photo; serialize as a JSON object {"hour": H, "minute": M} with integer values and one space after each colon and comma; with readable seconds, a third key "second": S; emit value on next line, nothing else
{"hour": 12, "minute": 35}
